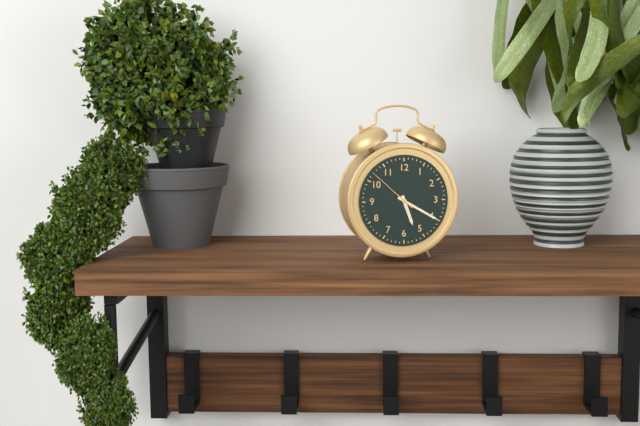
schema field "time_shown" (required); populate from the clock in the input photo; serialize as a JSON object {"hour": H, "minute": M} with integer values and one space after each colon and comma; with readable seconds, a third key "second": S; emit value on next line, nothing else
{"hour": 5, "minute": 20}
